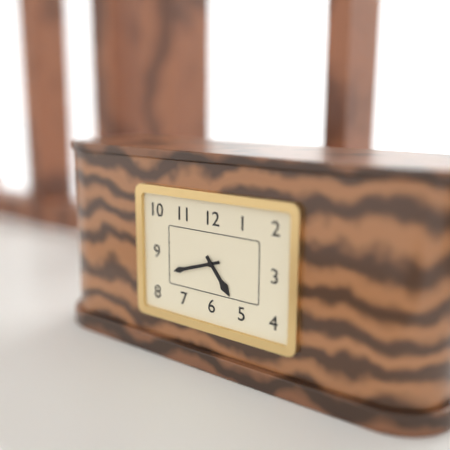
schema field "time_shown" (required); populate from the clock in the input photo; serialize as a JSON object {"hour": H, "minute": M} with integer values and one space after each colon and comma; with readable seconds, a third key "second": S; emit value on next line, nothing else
{"hour": 4, "minute": 42}
